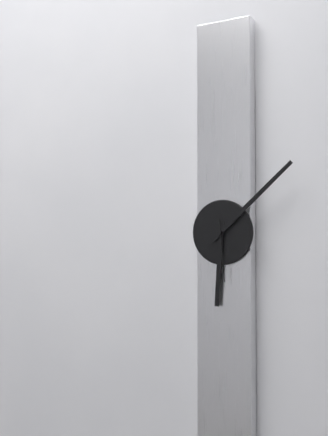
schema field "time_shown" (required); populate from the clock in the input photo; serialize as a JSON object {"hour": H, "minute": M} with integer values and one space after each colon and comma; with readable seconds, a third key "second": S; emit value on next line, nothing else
{"hour": 6, "minute": 8, "second": 29}
